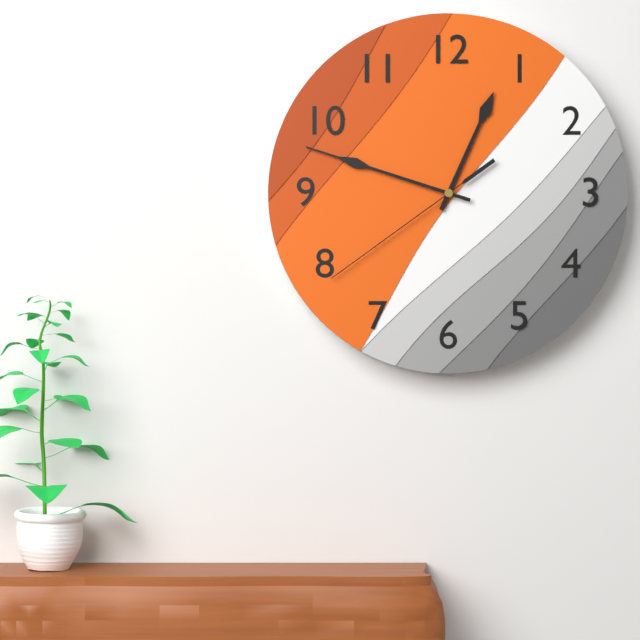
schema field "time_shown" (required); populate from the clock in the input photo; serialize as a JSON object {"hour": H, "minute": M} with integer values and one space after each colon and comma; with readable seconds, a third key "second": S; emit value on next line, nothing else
{"hour": 12, "minute": 48, "second": 39}
